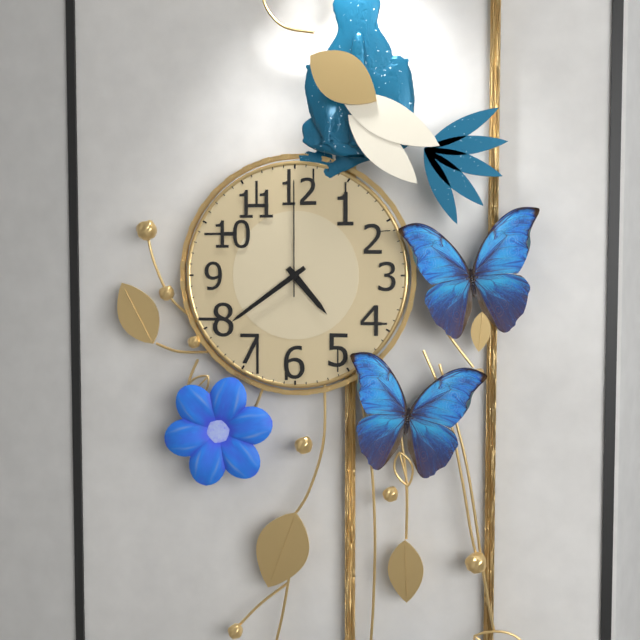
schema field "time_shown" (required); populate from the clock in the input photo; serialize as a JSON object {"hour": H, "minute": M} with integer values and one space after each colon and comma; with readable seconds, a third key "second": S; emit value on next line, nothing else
{"hour": 4, "minute": 39, "second": 0}
